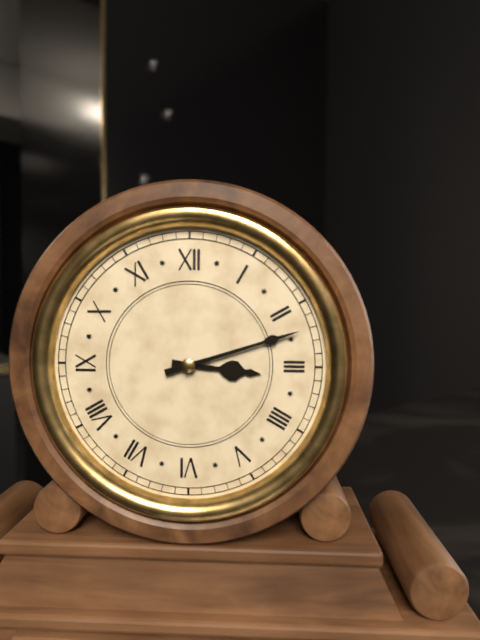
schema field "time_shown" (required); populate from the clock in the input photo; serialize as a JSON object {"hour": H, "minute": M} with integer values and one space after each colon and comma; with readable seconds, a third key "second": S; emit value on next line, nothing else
{"hour": 3, "minute": 12}
